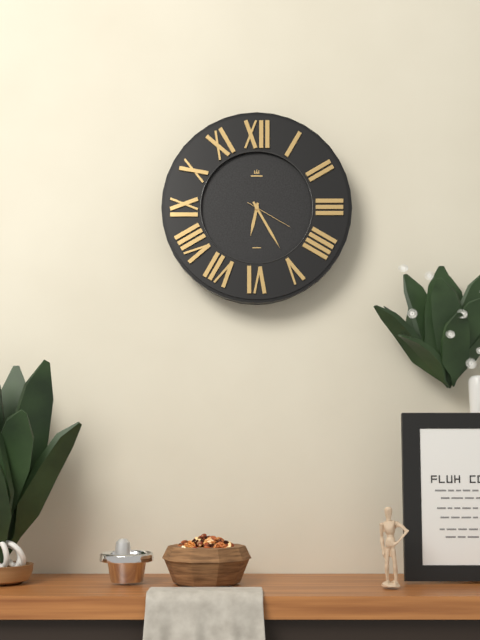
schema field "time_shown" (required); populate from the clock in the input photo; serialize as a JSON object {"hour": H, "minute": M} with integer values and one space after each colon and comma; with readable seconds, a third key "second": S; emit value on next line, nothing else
{"hour": 6, "minute": 25}
